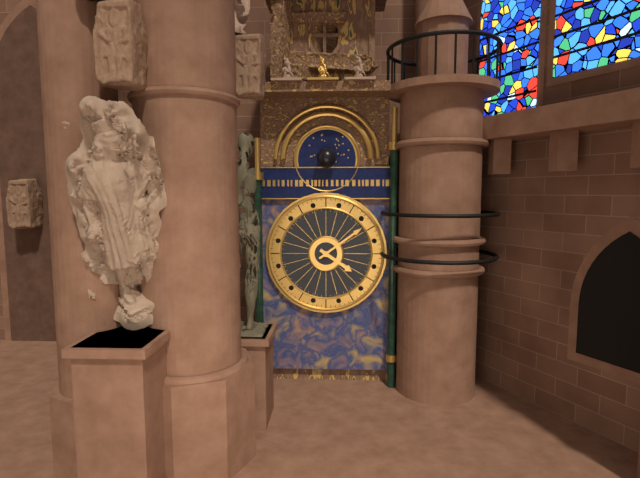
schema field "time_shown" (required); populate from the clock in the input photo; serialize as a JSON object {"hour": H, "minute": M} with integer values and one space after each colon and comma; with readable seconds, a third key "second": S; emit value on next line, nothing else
{"hour": 4, "minute": 9}
